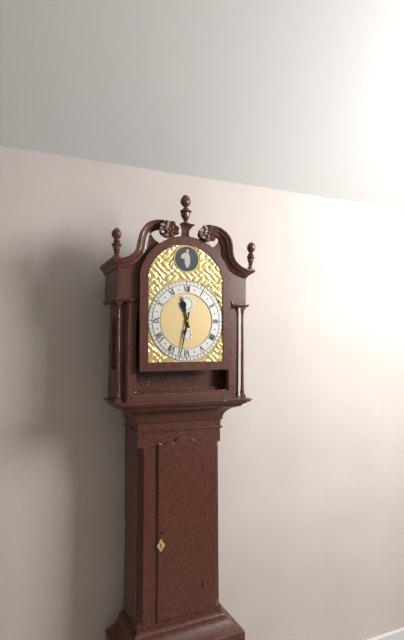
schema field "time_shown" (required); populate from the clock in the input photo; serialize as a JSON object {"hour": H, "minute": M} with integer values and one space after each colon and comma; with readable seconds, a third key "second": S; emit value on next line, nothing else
{"hour": 11, "minute": 32}
